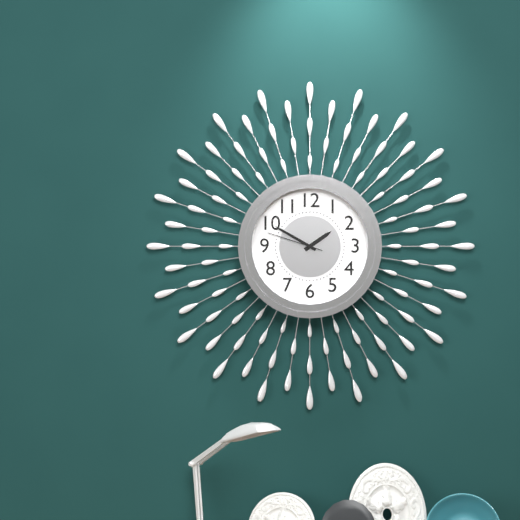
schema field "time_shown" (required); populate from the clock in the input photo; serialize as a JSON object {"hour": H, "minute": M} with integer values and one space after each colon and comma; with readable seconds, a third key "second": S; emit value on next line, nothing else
{"hour": 1, "minute": 50, "second": 48}
